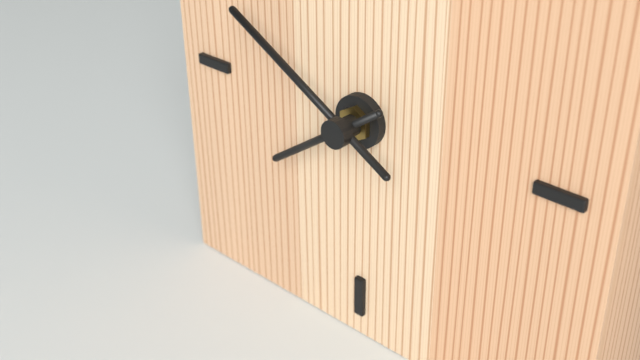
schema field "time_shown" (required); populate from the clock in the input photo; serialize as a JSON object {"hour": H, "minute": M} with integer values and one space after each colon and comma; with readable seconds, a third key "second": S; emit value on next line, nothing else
{"hour": 7, "minute": 50}
